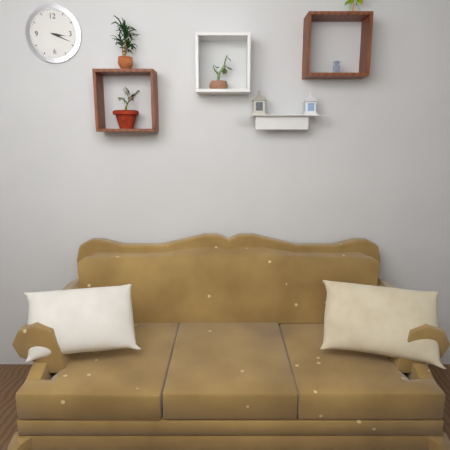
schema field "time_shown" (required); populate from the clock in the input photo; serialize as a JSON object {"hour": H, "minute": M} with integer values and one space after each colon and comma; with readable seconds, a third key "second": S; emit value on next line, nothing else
{"hour": 3, "minute": 19}
